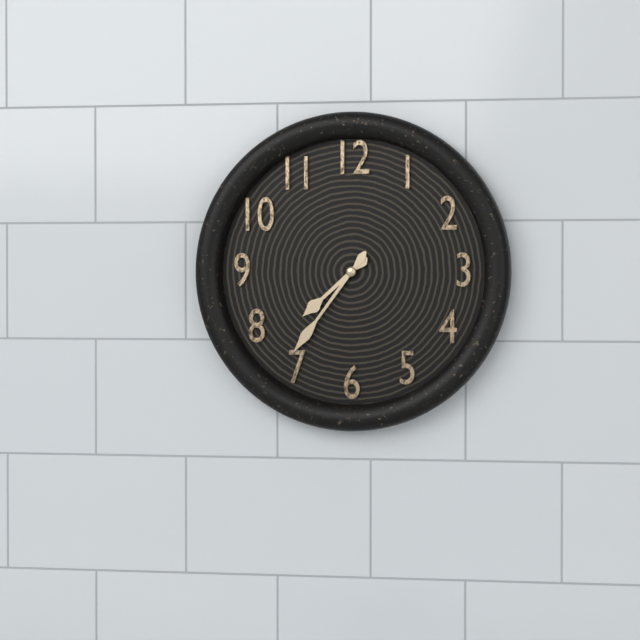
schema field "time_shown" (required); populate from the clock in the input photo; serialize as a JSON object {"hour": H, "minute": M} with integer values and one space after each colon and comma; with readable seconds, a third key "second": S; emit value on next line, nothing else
{"hour": 7, "minute": 36}
